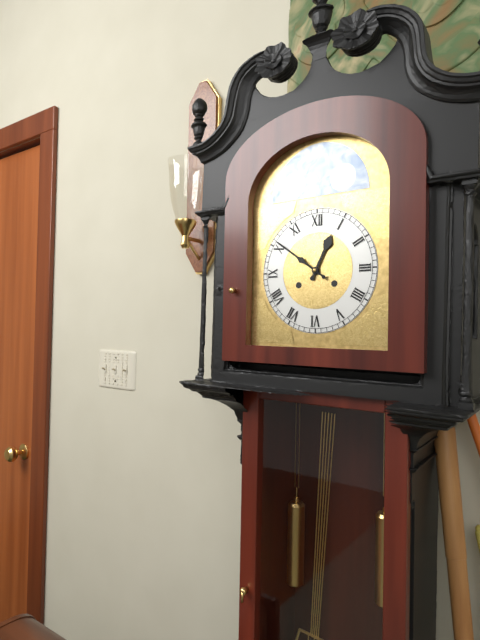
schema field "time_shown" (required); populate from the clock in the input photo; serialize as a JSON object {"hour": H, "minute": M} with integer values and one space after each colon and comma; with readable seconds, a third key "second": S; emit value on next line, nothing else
{"hour": 12, "minute": 51}
